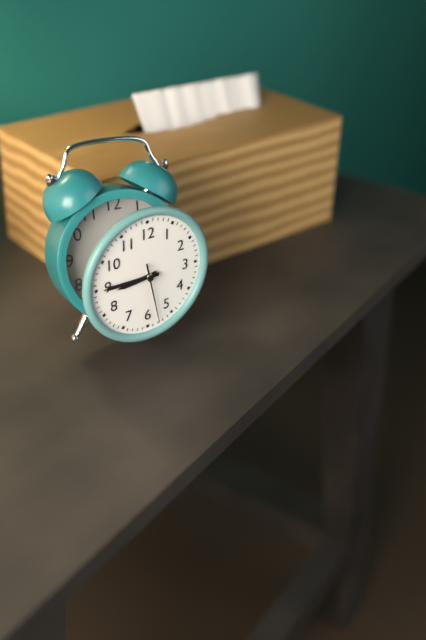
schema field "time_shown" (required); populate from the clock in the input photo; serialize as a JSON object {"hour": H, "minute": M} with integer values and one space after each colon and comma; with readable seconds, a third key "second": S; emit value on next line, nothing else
{"hour": 8, "minute": 45, "second": 28}
